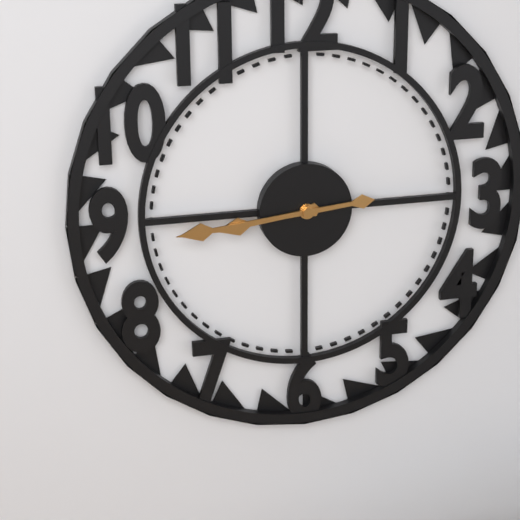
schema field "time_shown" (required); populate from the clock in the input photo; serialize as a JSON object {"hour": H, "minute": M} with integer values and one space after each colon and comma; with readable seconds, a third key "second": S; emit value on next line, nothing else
{"hour": 8, "minute": 44}
